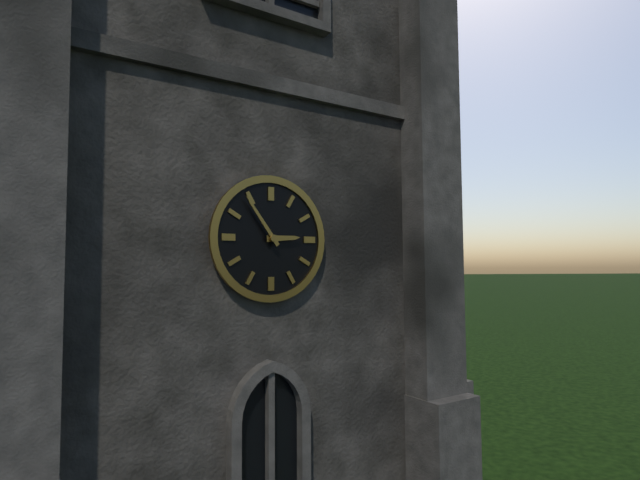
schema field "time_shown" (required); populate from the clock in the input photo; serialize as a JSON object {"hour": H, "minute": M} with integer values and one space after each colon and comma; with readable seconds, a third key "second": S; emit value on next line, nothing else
{"hour": 2, "minute": 54}
